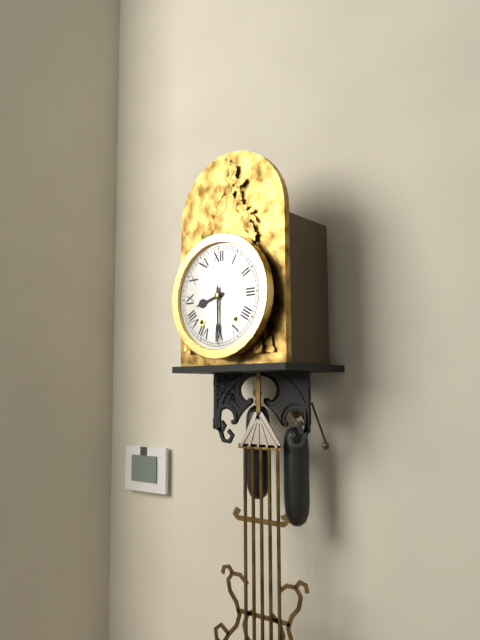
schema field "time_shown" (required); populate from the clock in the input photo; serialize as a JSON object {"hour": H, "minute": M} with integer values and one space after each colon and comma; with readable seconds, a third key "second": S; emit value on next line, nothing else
{"hour": 8, "minute": 30}
